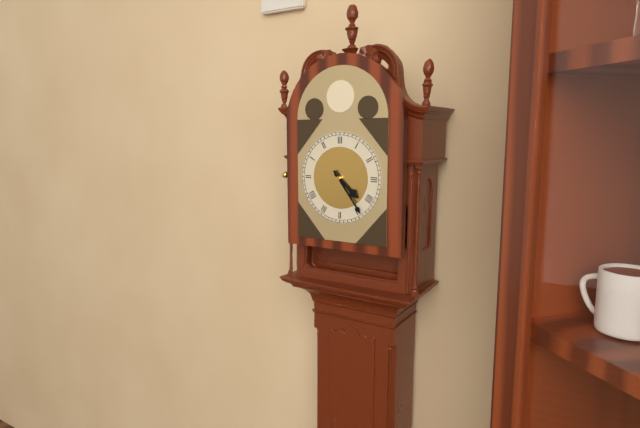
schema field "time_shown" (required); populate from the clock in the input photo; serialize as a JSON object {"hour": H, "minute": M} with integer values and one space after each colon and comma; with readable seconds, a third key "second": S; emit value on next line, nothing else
{"hour": 4, "minute": 24}
